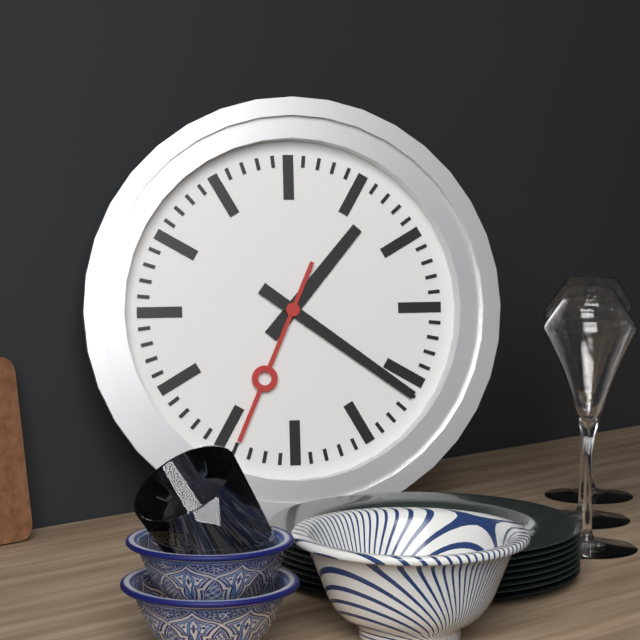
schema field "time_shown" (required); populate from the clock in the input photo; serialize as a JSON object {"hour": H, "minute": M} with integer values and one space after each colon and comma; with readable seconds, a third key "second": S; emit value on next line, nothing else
{"hour": 1, "minute": 21, "second": 34}
